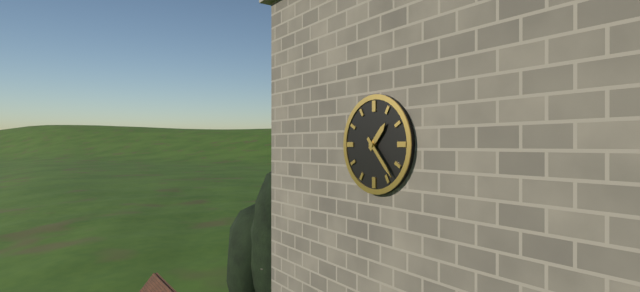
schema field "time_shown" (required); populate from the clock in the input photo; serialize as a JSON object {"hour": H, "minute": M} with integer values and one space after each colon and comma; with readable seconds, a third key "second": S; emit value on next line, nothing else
{"hour": 1, "minute": 23}
